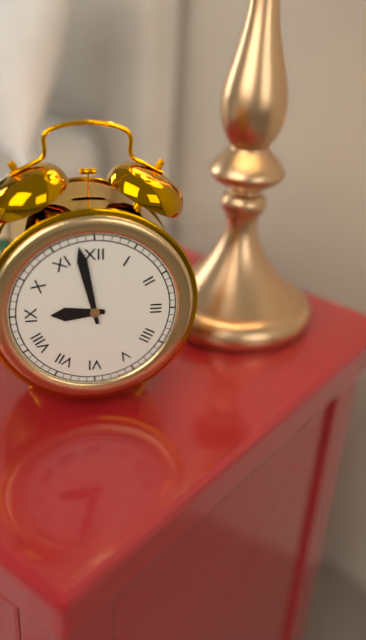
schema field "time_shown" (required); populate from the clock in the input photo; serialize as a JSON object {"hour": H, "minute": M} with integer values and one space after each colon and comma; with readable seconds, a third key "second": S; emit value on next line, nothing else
{"hour": 8, "minute": 58}
